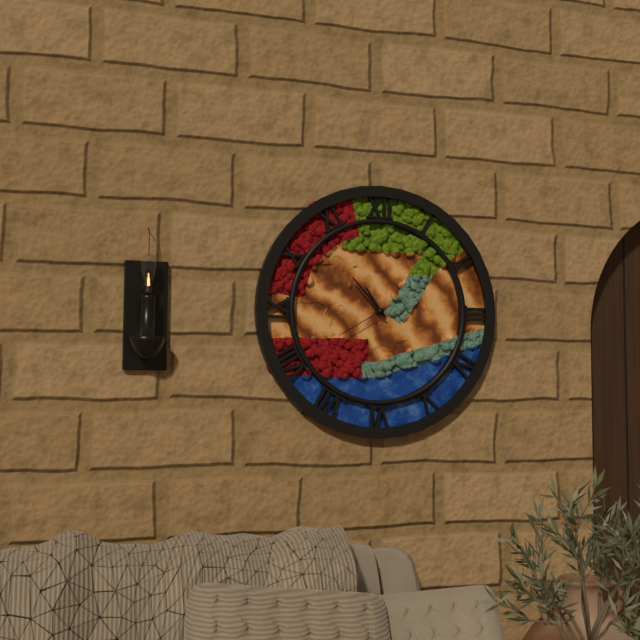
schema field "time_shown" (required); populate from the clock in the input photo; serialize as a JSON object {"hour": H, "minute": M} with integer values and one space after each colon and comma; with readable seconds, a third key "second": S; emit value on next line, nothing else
{"hour": 10, "minute": 53, "second": 40}
